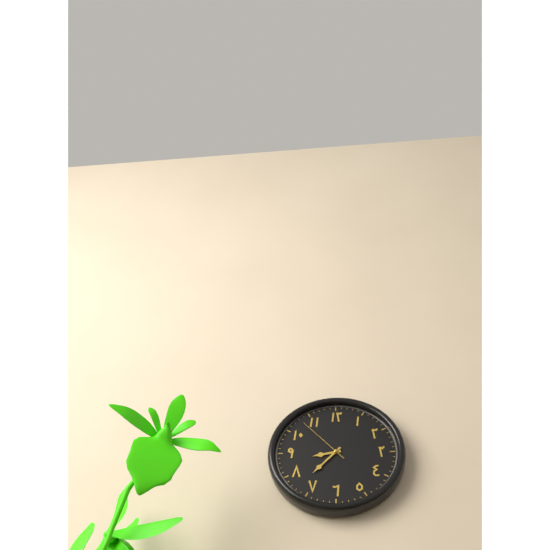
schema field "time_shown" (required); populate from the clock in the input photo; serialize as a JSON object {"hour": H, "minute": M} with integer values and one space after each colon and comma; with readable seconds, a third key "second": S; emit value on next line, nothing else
{"hour": 8, "minute": 37, "second": 53}
